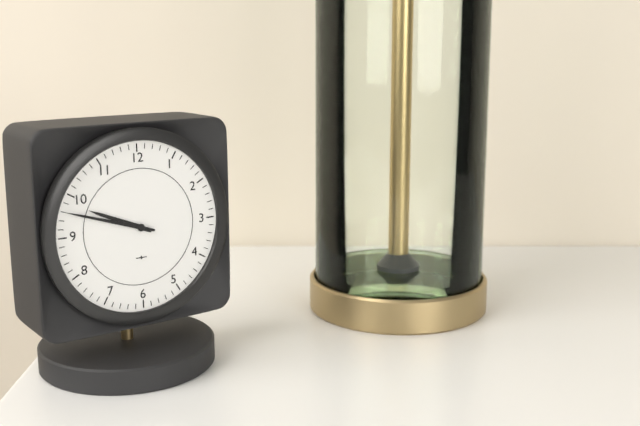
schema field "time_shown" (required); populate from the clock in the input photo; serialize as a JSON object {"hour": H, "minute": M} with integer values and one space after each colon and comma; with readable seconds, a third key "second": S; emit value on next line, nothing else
{"hour": 9, "minute": 48}
